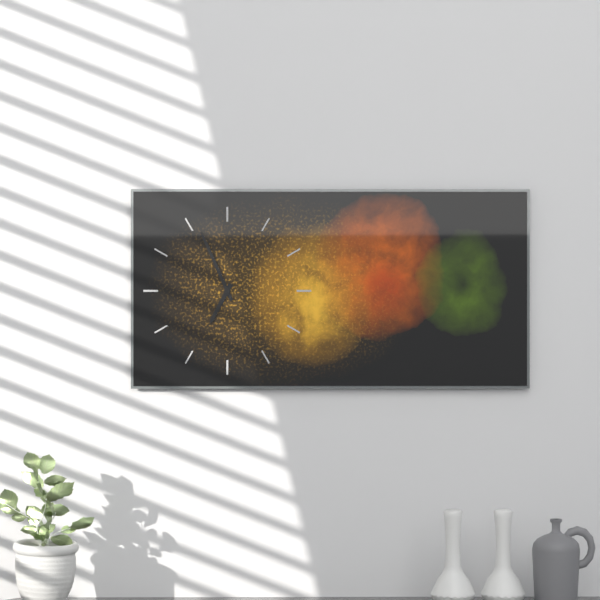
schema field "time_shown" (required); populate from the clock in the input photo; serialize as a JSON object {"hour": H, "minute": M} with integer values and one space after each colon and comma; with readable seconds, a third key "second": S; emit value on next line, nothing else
{"hour": 6, "minute": 56}
